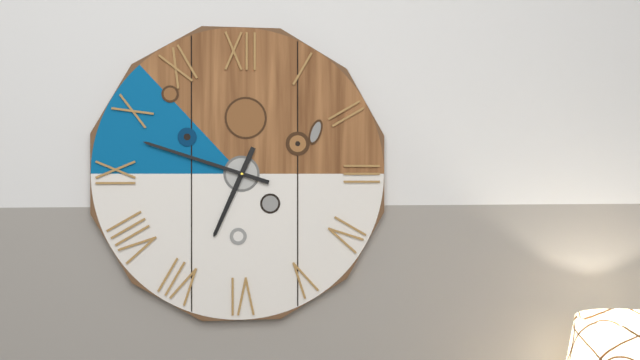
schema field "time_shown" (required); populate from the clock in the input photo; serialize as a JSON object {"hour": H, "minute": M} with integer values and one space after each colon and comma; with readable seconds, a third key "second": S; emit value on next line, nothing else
{"hour": 6, "minute": 48}
